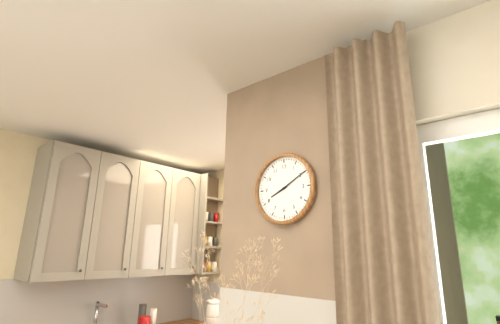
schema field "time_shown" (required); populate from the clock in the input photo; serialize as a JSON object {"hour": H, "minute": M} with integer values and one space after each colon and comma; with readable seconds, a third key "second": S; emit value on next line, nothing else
{"hour": 8, "minute": 10}
